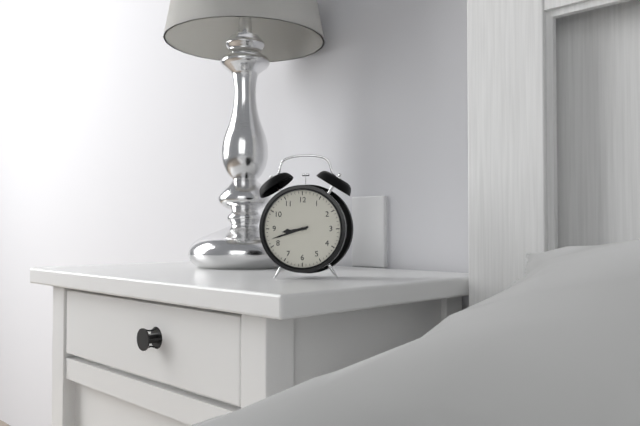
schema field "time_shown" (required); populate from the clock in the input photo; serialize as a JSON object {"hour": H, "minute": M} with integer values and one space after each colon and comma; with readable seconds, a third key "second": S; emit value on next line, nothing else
{"hour": 8, "minute": 42}
